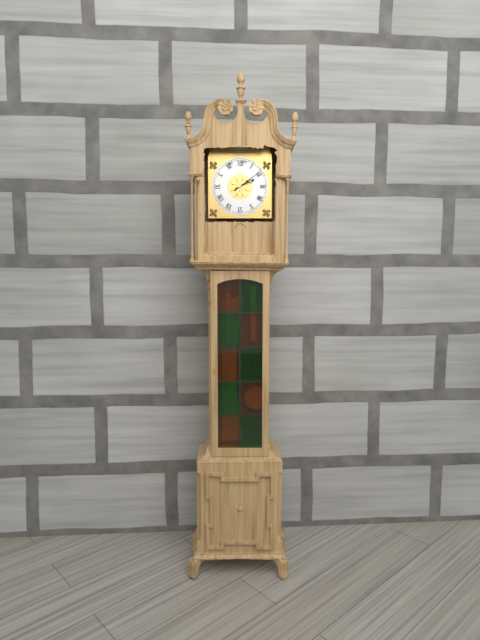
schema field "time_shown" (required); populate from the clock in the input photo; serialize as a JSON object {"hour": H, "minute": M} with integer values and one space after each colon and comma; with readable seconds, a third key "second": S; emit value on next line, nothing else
{"hour": 2, "minute": 9}
